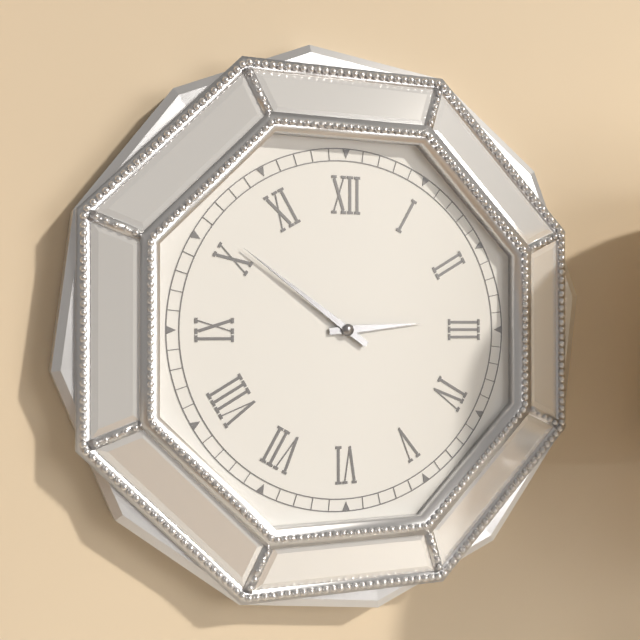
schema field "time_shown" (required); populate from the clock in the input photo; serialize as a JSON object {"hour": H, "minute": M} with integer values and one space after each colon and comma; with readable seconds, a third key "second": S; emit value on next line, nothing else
{"hour": 2, "minute": 51}
